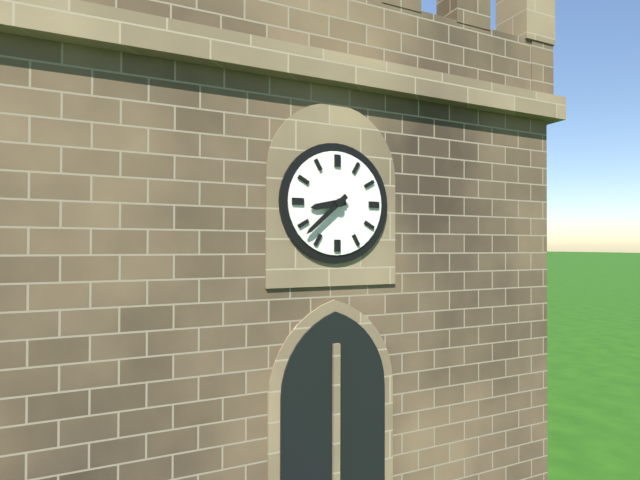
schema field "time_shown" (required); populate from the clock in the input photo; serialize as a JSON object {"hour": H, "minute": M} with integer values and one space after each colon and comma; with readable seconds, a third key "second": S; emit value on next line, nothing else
{"hour": 8, "minute": 38}
